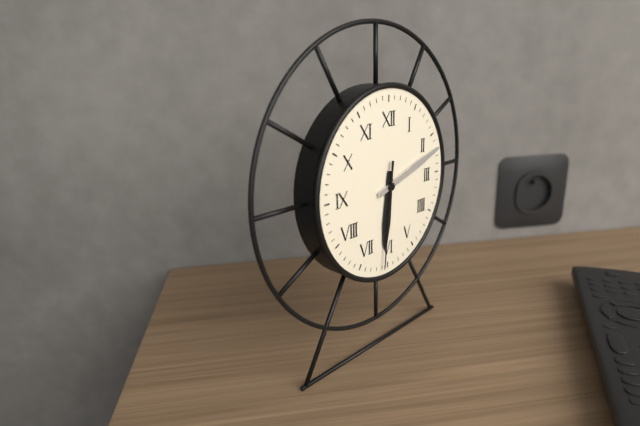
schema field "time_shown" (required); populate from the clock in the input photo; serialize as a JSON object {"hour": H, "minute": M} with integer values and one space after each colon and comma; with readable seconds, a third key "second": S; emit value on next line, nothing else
{"hour": 6, "minute": 12, "second": 31}
